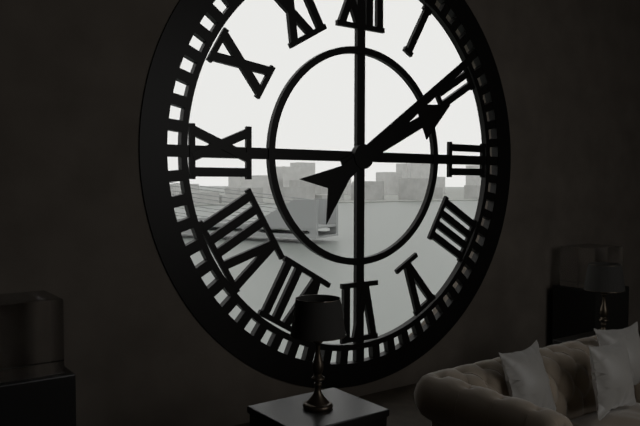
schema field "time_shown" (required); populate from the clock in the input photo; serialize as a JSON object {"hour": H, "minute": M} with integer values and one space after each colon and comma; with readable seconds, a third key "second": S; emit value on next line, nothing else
{"hour": 2, "minute": 9}
